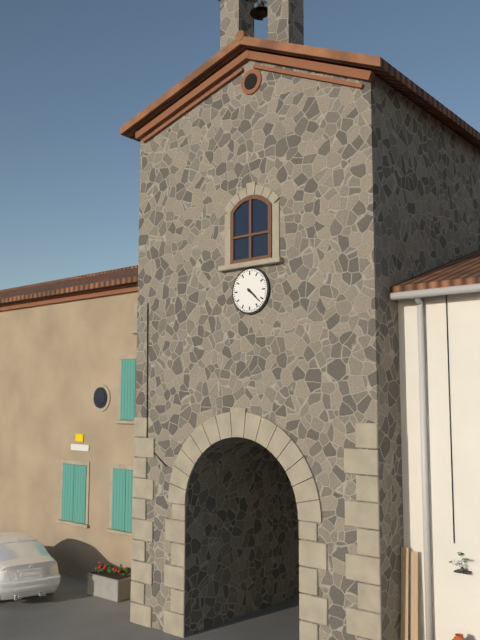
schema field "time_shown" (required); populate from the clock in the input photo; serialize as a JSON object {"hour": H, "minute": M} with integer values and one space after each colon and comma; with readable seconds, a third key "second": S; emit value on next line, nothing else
{"hour": 4, "minute": 22}
